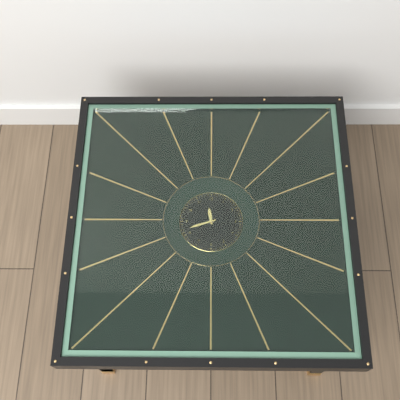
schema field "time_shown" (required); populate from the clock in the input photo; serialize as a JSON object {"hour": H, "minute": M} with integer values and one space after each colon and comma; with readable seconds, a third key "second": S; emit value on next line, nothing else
{"hour": 11, "minute": 42}
